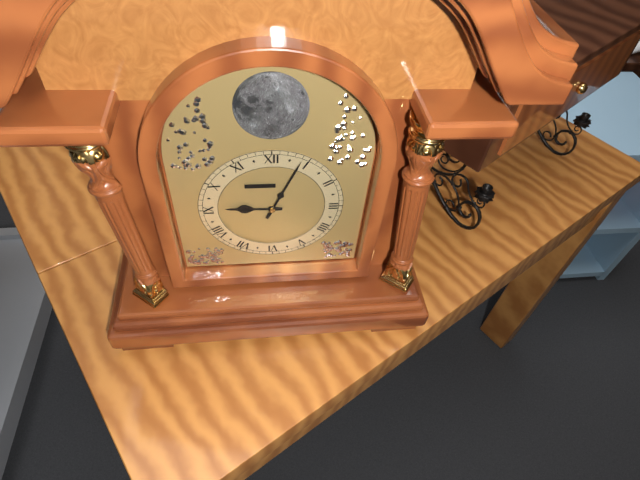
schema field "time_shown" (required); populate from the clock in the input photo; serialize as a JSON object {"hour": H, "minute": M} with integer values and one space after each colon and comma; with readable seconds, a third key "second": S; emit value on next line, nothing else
{"hour": 9, "minute": 4}
